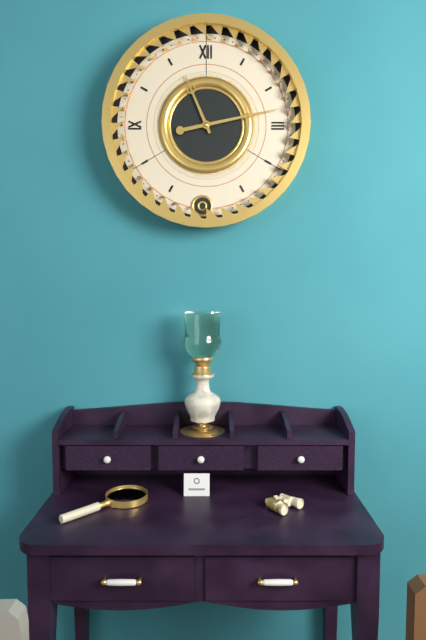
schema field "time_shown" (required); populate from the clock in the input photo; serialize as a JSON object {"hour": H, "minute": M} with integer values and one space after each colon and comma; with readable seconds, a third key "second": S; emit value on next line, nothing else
{"hour": 11, "minute": 13}
